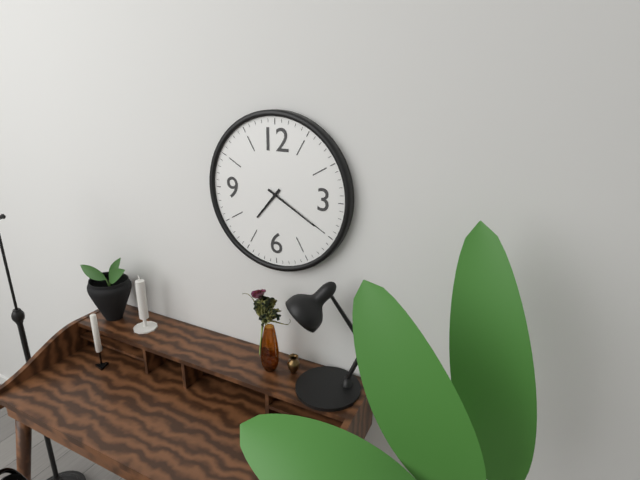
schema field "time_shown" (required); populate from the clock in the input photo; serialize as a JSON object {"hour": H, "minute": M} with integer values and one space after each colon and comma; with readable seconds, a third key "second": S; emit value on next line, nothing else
{"hour": 7, "minute": 20}
